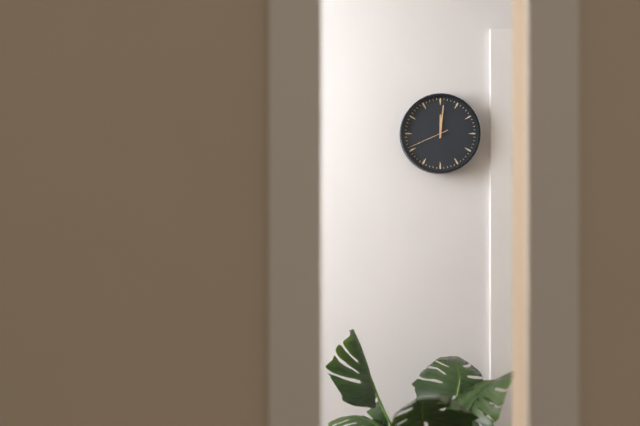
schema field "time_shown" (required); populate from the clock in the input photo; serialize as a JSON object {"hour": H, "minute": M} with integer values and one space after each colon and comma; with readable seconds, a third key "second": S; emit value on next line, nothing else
{"hour": 12, "minute": 1}
